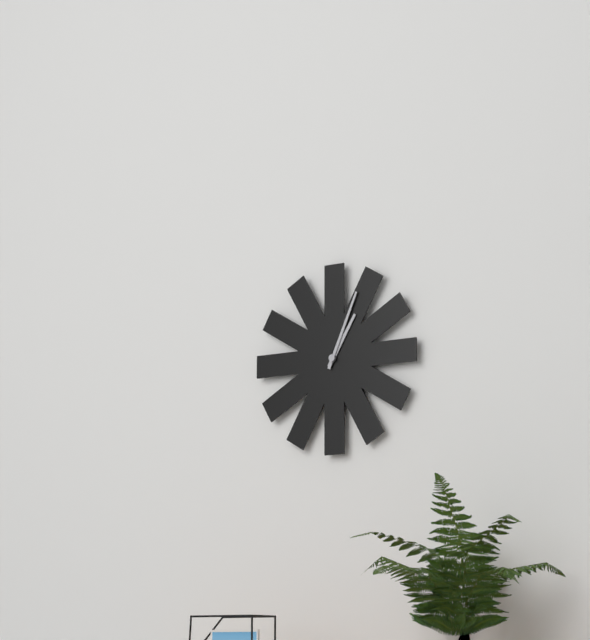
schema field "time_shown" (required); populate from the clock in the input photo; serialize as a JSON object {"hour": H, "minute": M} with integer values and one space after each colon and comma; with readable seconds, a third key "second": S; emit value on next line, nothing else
{"hour": 1, "minute": 4}
